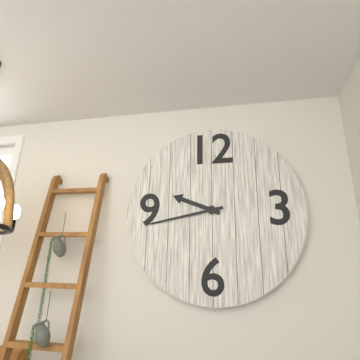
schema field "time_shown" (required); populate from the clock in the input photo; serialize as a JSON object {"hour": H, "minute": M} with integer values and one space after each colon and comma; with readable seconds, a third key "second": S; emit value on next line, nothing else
{"hour": 9, "minute": 43}
